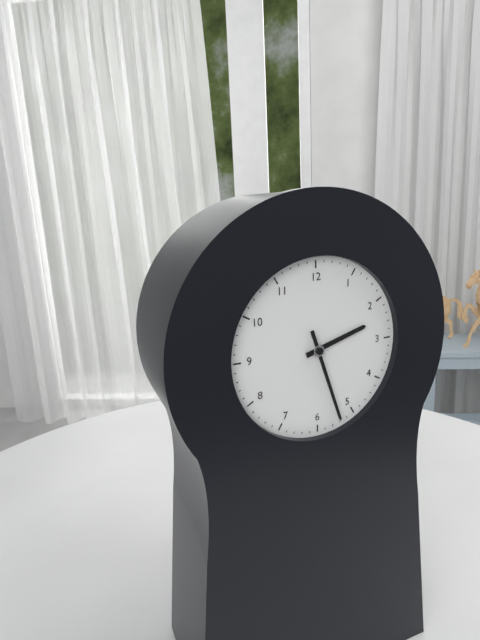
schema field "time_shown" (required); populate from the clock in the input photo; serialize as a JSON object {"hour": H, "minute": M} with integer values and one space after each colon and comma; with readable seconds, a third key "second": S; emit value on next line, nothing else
{"hour": 2, "minute": 27}
